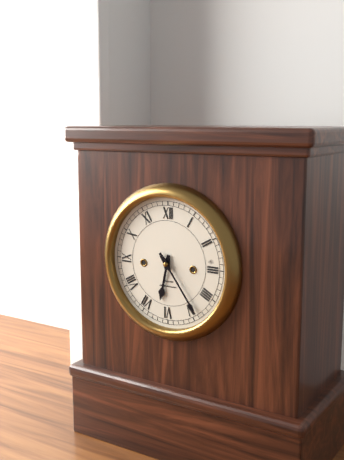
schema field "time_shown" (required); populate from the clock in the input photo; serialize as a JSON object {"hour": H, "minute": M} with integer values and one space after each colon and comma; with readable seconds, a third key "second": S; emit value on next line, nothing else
{"hour": 6, "minute": 24}
